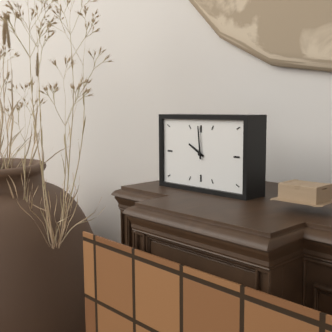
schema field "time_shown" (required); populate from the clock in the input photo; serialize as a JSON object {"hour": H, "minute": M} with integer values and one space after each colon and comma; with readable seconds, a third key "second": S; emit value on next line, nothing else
{"hour": 9, "minute": 59}
